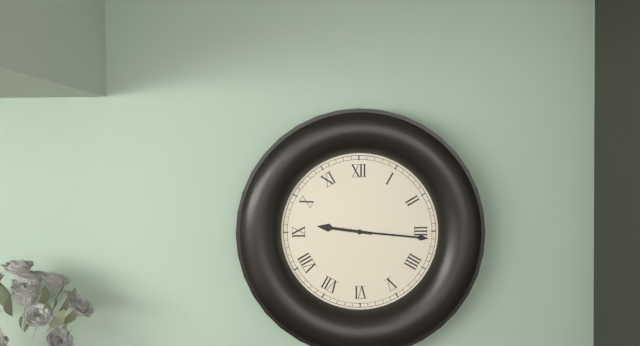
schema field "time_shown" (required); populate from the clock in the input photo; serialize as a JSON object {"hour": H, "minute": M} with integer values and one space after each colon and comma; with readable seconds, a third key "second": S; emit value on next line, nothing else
{"hour": 9, "minute": 16}
